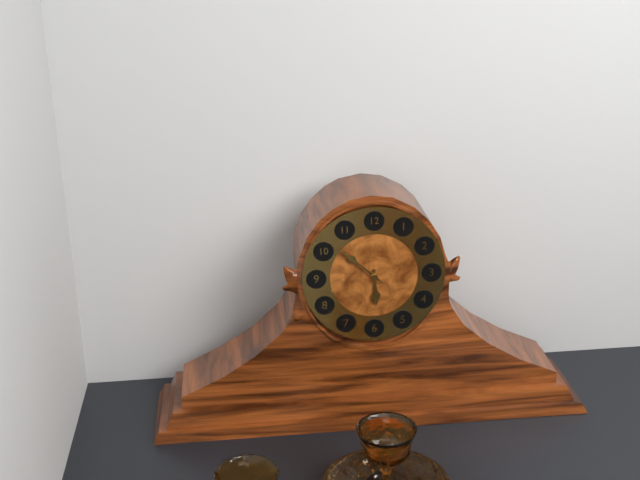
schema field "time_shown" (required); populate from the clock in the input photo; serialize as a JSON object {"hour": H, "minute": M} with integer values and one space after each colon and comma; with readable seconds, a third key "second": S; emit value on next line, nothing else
{"hour": 5, "minute": 52}
